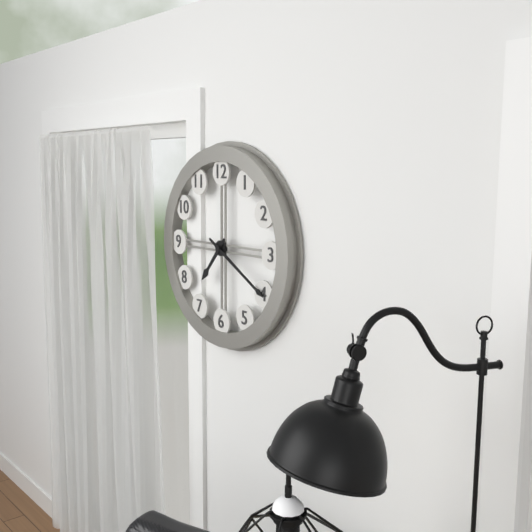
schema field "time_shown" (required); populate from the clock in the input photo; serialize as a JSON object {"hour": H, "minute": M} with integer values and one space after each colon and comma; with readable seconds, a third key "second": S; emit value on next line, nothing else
{"hour": 7, "minute": 20}
